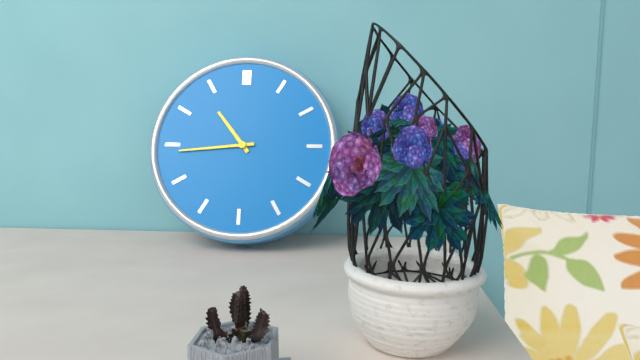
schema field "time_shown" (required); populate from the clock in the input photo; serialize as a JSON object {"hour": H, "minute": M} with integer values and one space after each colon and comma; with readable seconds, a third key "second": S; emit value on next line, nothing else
{"hour": 10, "minute": 44}
